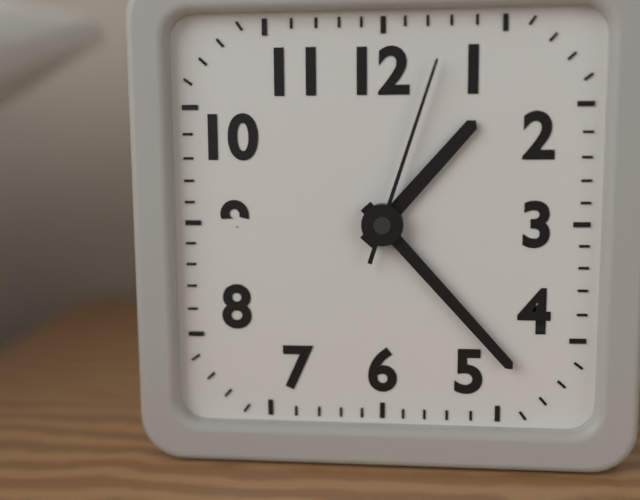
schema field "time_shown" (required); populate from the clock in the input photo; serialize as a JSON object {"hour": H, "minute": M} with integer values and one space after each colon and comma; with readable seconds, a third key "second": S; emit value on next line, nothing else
{"hour": 1, "minute": 23, "second": 3}
